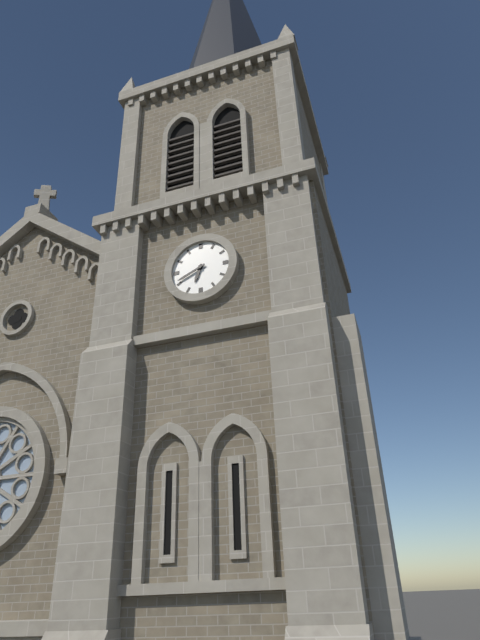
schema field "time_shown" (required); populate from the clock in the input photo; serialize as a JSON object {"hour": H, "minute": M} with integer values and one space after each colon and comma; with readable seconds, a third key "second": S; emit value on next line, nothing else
{"hour": 6, "minute": 41}
